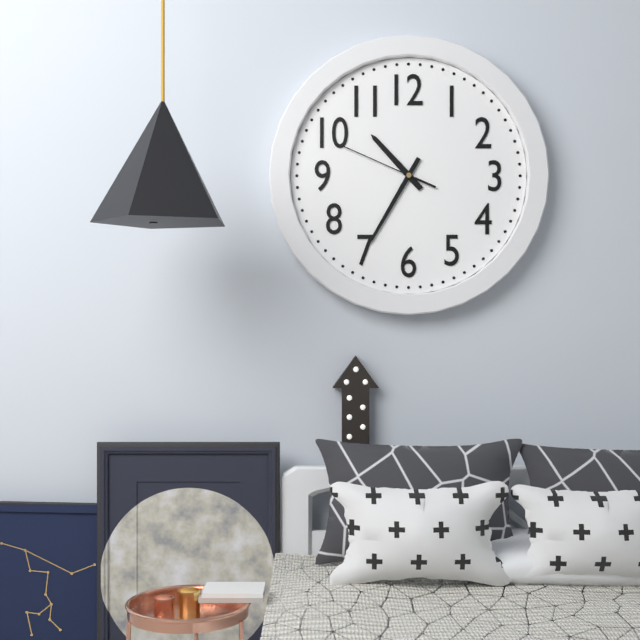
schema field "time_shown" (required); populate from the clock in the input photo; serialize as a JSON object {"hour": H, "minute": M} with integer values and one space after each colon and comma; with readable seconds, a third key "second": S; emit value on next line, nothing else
{"hour": 10, "minute": 35, "second": 49}
